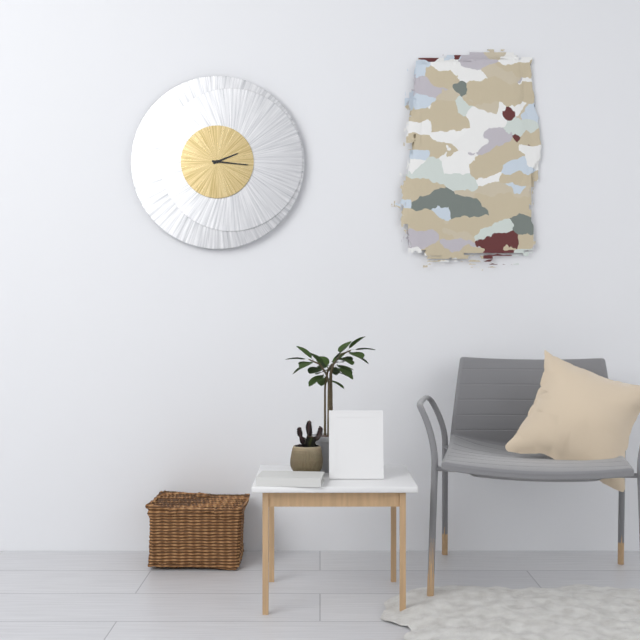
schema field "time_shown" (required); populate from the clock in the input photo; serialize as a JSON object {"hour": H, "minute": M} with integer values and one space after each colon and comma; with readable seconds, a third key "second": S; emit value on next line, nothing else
{"hour": 2, "minute": 16}
